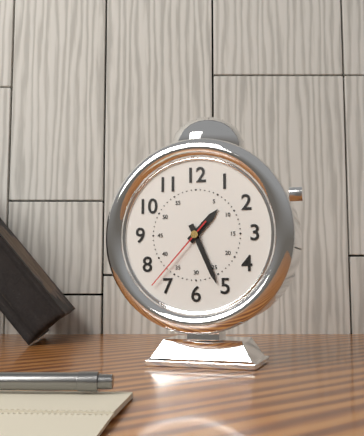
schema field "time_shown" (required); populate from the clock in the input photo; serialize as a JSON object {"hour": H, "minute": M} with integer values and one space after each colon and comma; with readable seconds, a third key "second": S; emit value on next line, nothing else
{"hour": 1, "minute": 26, "second": 37}
